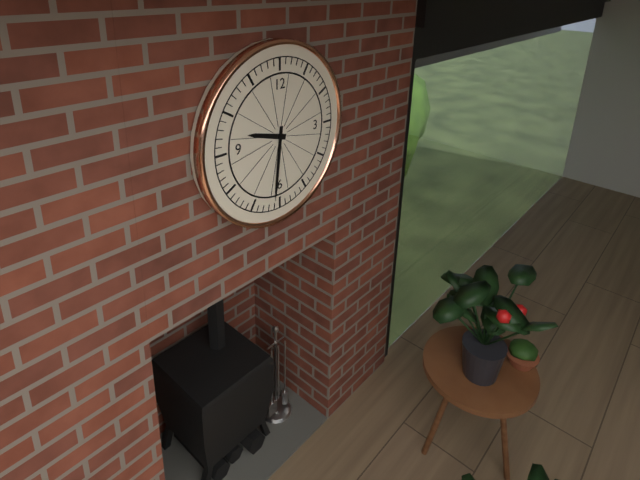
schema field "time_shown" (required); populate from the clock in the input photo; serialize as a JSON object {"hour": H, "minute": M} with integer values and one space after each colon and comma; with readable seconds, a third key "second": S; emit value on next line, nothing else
{"hour": 9, "minute": 31}
